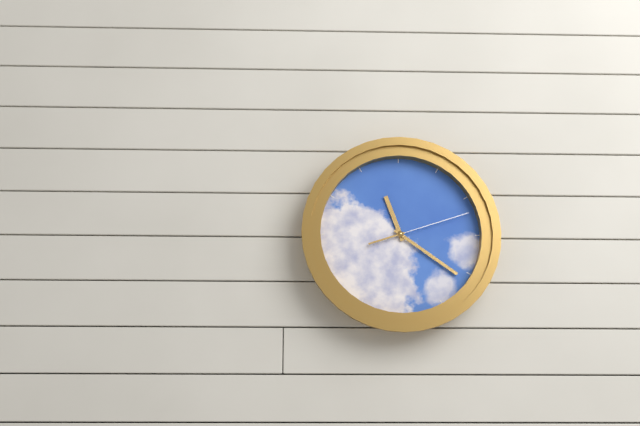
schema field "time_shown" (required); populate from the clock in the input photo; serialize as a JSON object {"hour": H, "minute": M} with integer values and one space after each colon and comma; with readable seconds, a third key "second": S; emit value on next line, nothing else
{"hour": 11, "minute": 21, "second": 12}
